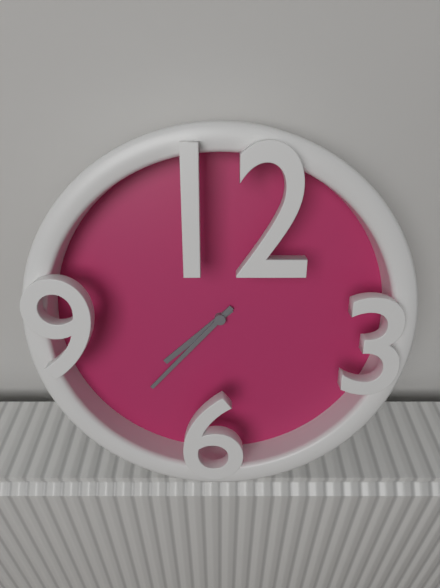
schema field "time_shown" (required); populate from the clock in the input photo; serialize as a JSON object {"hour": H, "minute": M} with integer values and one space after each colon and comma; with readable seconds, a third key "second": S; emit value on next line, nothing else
{"hour": 7, "minute": 37}
